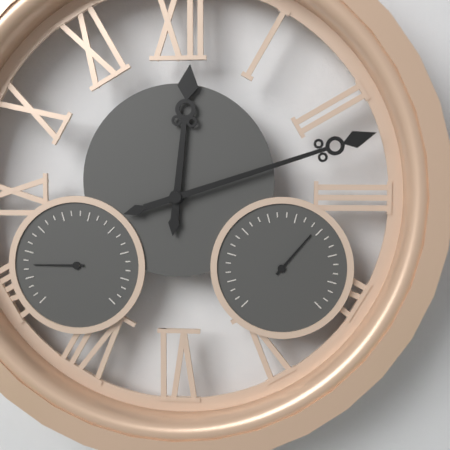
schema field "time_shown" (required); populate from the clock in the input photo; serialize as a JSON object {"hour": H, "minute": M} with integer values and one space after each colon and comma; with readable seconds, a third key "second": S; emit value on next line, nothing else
{"hour": 12, "minute": 12}
